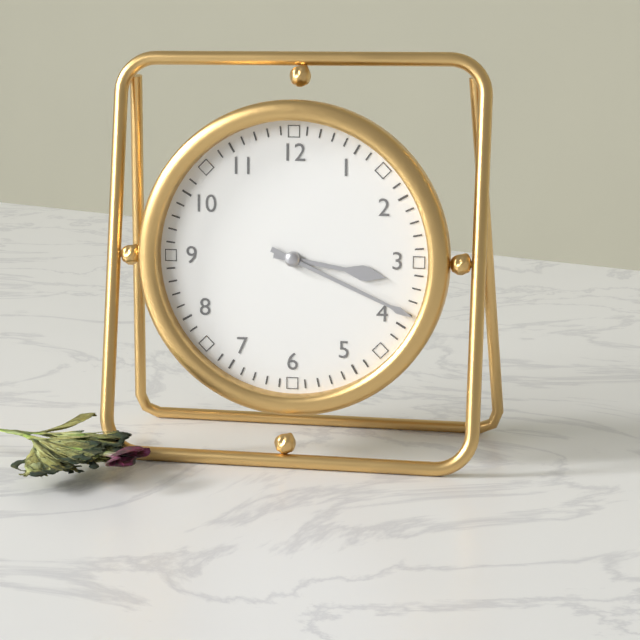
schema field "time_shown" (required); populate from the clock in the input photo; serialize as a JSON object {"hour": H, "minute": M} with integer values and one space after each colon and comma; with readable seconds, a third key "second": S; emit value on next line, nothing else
{"hour": 3, "minute": 19}
